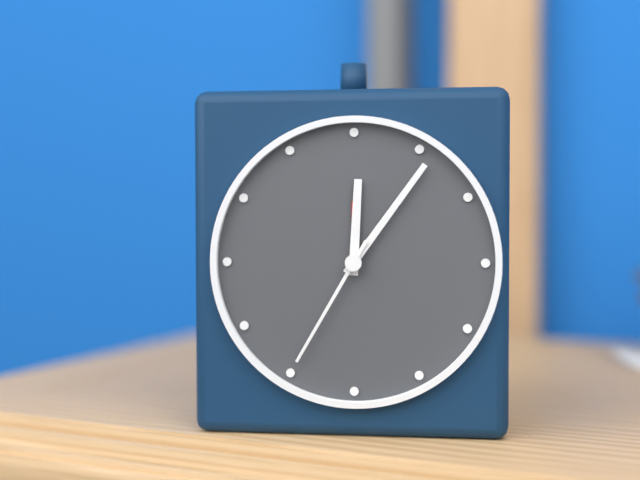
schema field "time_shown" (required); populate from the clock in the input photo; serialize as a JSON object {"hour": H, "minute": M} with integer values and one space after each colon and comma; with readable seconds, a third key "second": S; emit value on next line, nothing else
{"hour": 12, "minute": 6, "second": 35}
